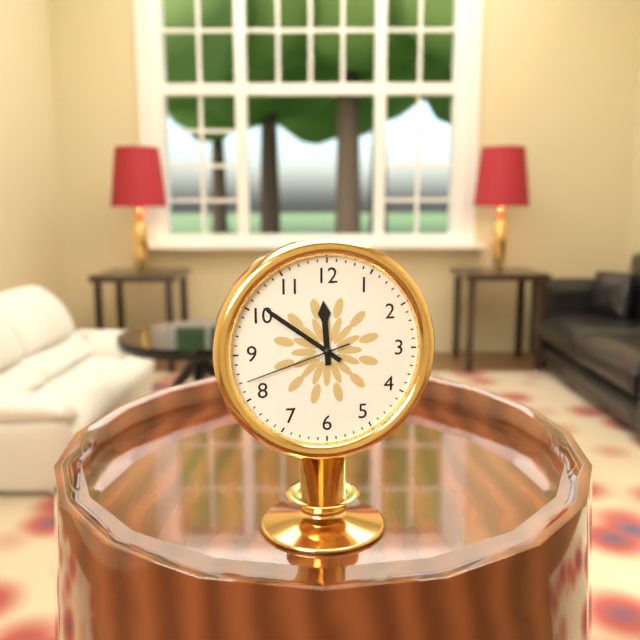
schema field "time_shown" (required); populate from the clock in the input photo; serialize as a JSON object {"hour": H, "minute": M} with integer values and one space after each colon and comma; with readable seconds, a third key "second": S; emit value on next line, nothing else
{"hour": 11, "minute": 51, "second": 42}
